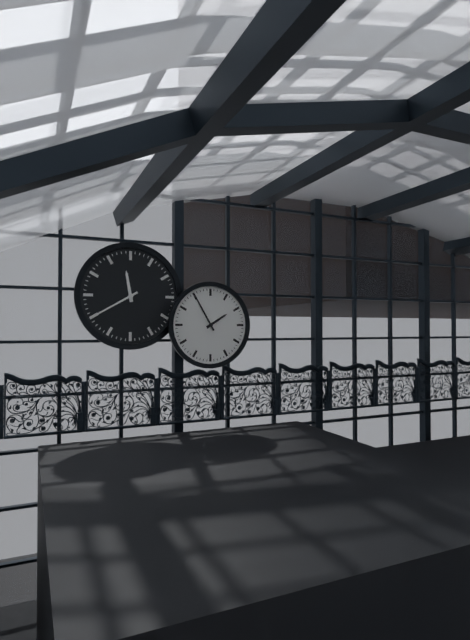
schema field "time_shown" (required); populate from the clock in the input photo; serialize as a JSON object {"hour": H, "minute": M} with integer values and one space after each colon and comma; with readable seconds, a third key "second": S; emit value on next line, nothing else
{"hour": 1, "minute": 55}
